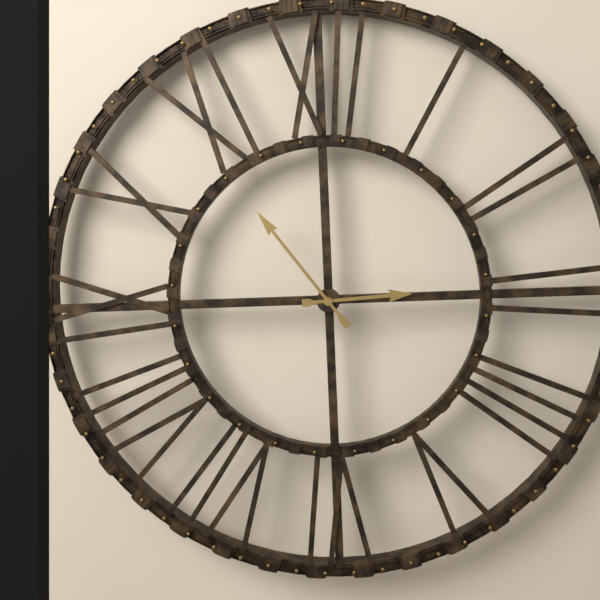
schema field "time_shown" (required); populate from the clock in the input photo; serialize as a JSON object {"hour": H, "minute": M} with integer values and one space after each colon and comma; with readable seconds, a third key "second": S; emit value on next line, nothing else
{"hour": 2, "minute": 54}
